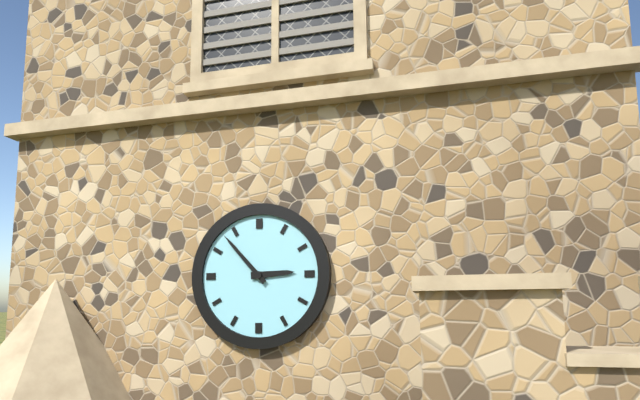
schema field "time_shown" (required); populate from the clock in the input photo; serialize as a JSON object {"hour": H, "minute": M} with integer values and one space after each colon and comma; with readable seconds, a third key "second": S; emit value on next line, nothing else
{"hour": 2, "minute": 53}
